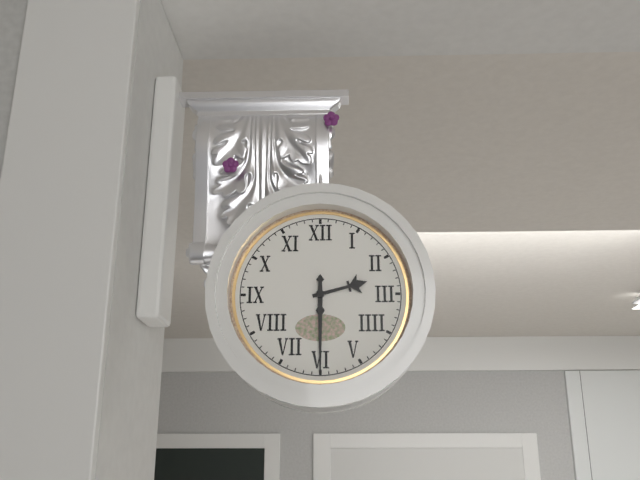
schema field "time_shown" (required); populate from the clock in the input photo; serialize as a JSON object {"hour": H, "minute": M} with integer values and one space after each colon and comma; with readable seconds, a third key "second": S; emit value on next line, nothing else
{"hour": 2, "minute": 30}
